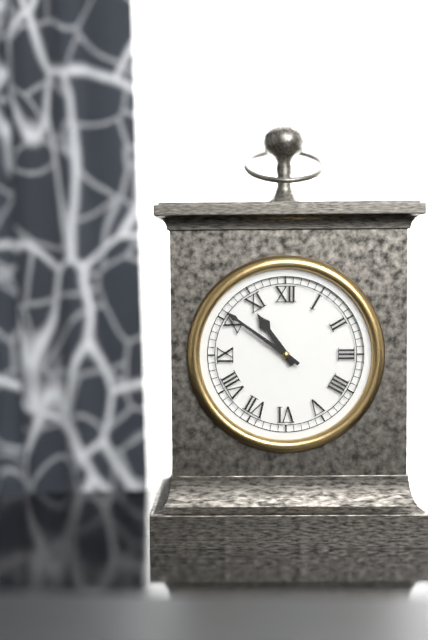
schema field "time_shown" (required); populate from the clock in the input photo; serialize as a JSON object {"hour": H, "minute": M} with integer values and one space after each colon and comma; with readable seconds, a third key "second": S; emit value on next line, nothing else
{"hour": 10, "minute": 51}
